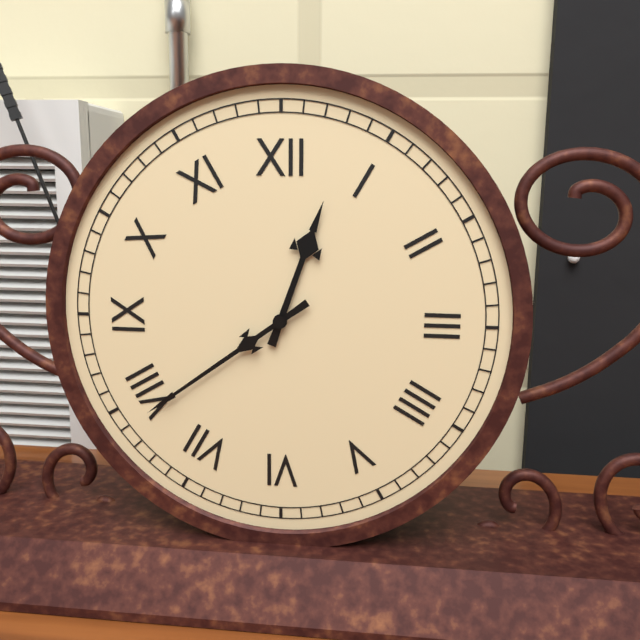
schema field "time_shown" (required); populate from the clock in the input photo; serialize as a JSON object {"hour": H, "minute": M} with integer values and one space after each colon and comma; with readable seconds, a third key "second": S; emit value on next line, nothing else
{"hour": 12, "minute": 39}
